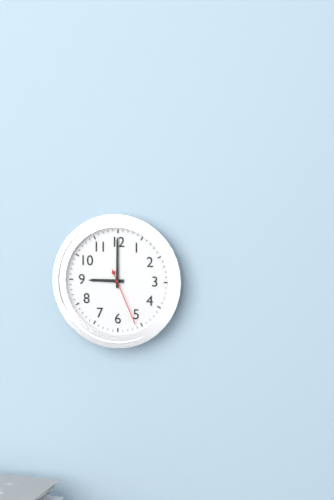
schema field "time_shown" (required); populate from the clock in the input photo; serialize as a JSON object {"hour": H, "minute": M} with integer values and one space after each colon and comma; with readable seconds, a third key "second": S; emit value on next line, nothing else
{"hour": 9, "minute": 0, "second": 26}
